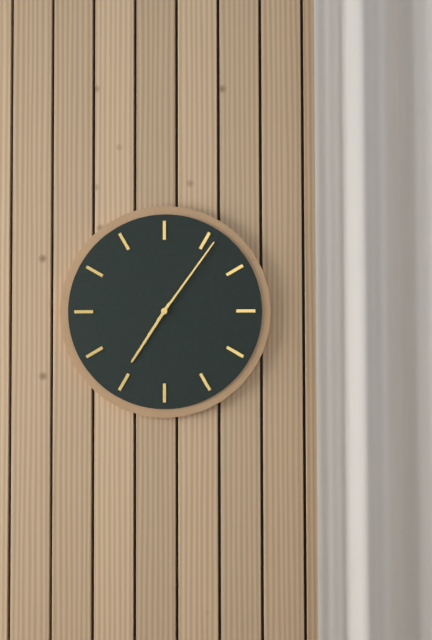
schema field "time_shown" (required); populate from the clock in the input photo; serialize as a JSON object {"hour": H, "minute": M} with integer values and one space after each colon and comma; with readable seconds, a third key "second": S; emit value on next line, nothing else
{"hour": 7, "minute": 6}
